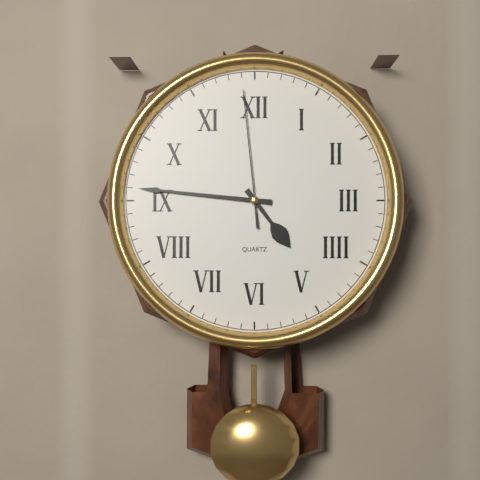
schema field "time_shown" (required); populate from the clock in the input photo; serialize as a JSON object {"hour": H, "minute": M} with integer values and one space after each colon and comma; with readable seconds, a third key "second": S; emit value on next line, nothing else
{"hour": 4, "minute": 46, "second": 59}
